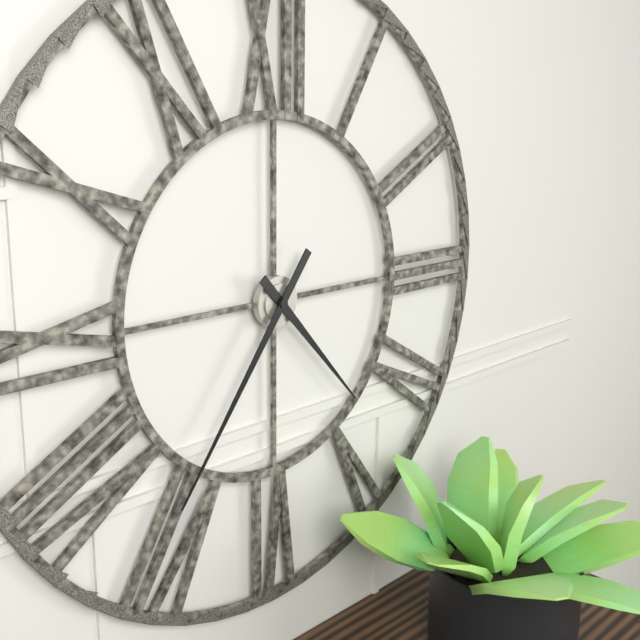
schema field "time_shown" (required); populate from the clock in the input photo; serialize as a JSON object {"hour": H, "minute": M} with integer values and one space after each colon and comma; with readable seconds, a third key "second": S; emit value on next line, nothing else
{"hour": 4, "minute": 36}
